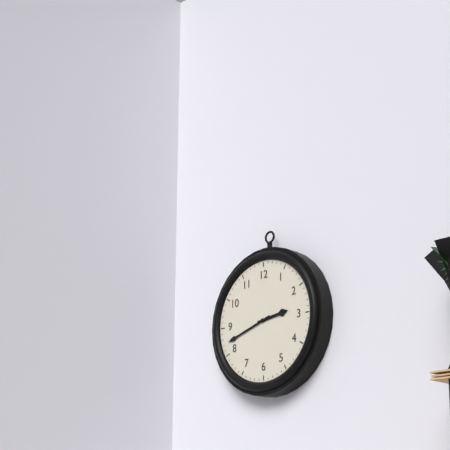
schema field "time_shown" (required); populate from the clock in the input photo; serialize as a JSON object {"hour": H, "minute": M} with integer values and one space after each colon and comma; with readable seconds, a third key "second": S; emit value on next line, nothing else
{"hour": 2, "minute": 42}
